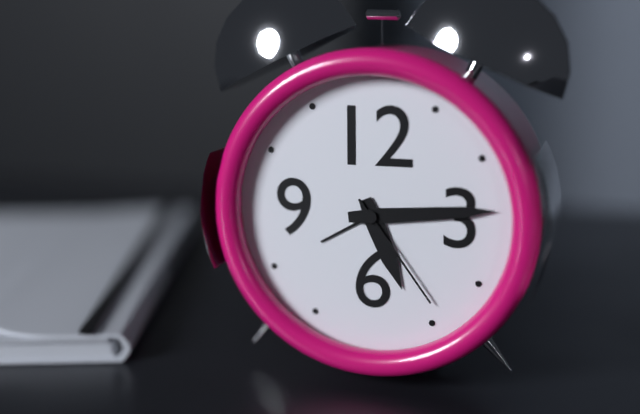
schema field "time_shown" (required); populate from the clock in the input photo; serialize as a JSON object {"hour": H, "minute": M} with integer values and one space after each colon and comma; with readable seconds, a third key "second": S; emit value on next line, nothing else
{"hour": 5, "minute": 14, "second": 24}
